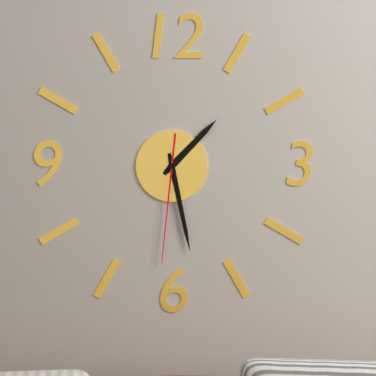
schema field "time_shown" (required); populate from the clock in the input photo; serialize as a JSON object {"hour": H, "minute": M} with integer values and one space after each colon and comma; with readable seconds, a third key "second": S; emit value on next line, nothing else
{"hour": 1, "minute": 28, "second": 31}
